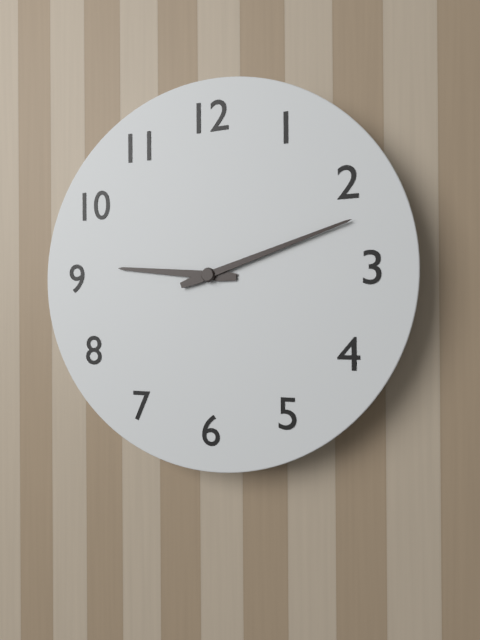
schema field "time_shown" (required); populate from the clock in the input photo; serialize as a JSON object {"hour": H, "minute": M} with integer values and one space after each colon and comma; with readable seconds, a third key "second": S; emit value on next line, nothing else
{"hour": 9, "minute": 12}
